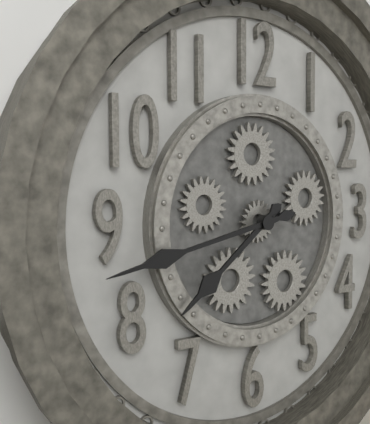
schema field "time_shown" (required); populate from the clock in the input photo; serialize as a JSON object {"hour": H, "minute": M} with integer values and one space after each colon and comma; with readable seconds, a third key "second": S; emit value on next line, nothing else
{"hour": 7, "minute": 43}
